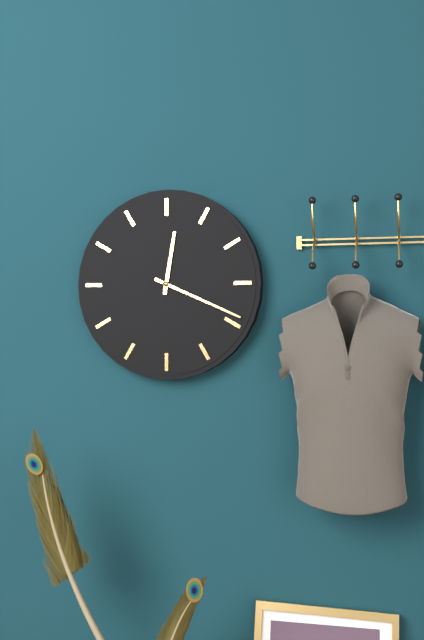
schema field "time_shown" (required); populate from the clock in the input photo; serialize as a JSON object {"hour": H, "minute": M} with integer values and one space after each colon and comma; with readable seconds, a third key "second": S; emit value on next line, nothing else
{"hour": 12, "minute": 19}
